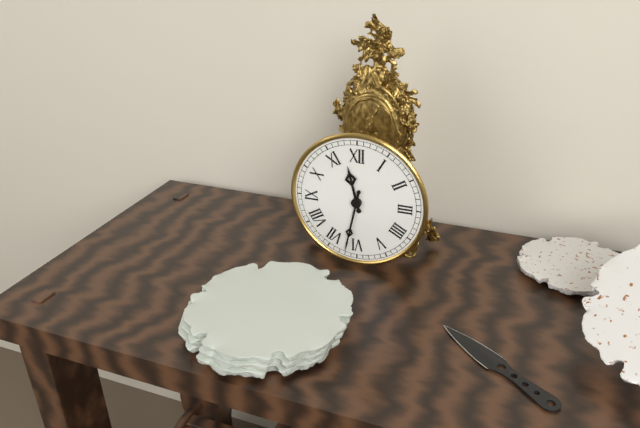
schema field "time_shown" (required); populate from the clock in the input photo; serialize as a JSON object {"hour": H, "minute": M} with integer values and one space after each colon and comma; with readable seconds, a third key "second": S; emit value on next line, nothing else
{"hour": 11, "minute": 32}
